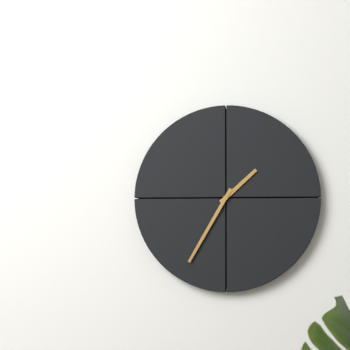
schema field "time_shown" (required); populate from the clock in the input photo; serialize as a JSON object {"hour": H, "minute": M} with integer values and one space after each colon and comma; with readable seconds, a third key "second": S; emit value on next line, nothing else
{"hour": 1, "minute": 35}
